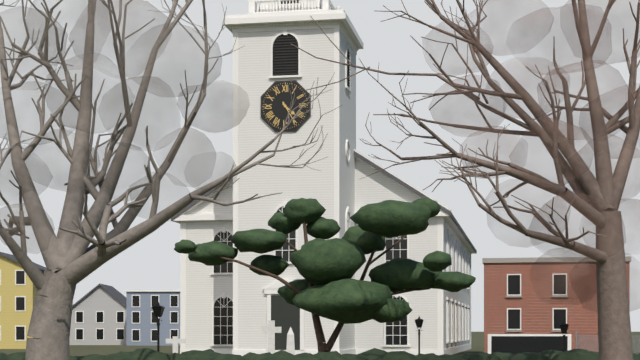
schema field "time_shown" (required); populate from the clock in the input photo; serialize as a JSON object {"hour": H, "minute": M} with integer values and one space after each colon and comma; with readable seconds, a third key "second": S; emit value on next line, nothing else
{"hour": 4, "minute": 25}
